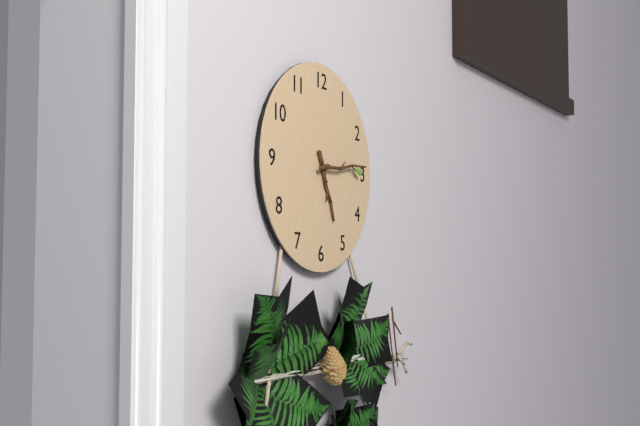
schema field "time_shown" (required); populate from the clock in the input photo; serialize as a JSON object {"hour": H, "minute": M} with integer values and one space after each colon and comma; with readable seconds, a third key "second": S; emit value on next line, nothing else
{"hour": 5, "minute": 14}
